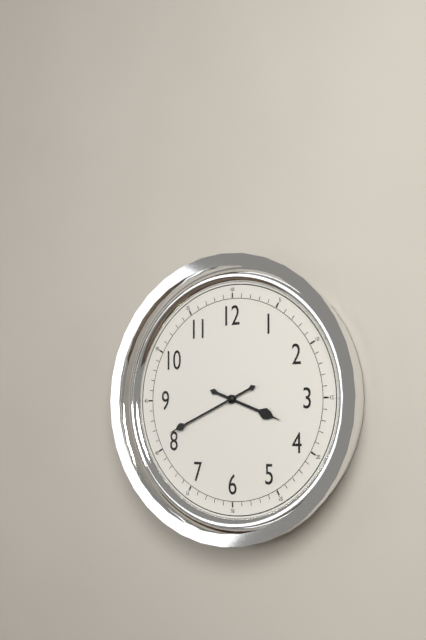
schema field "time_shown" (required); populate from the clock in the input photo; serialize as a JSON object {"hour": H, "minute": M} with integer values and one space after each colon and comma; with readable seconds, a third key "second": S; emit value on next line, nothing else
{"hour": 3, "minute": 41}
